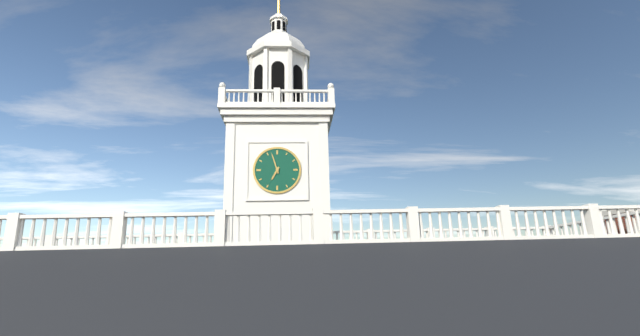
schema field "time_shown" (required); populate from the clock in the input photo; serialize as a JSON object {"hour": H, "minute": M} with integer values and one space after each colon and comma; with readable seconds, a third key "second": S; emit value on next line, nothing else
{"hour": 6, "minute": 57}
